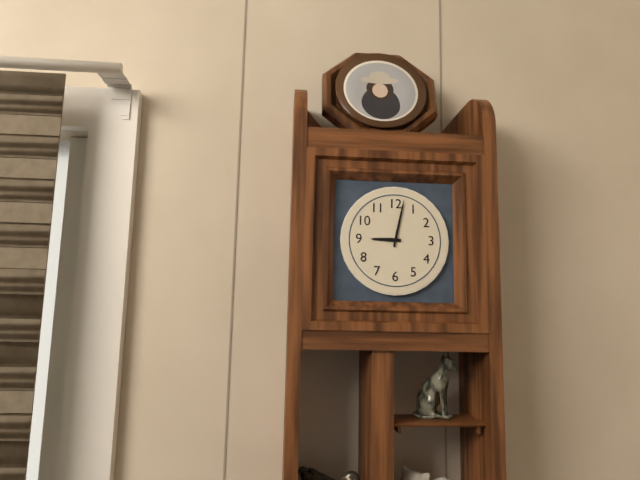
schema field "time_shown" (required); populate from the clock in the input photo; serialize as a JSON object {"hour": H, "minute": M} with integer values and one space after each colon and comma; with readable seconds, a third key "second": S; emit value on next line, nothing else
{"hour": 9, "minute": 2}
